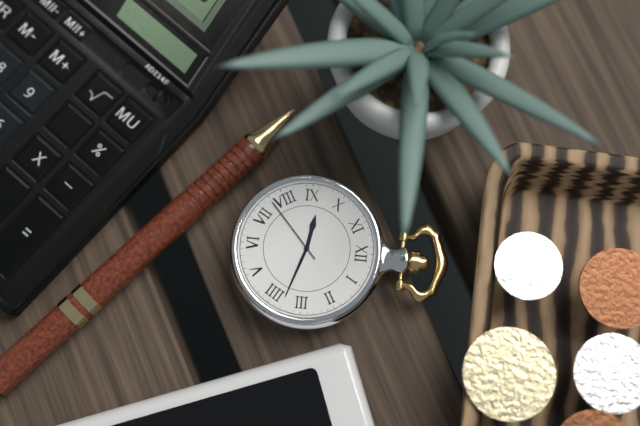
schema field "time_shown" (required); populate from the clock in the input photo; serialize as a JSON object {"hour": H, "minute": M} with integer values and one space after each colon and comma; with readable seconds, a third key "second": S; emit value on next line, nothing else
{"hour": 9, "minute": 18, "second": 38}
